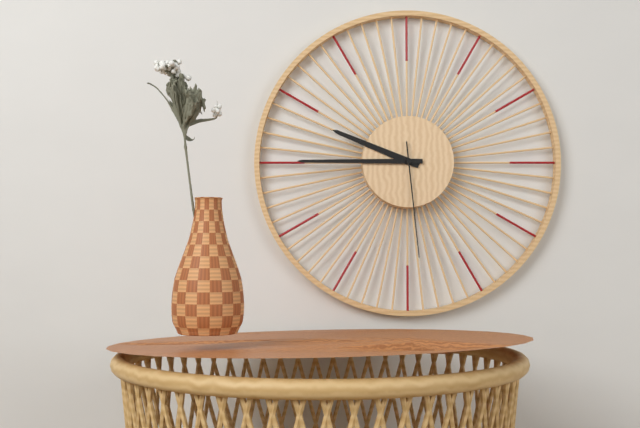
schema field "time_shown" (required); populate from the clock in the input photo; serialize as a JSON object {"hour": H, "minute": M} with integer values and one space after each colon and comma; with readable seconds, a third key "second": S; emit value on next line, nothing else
{"hour": 9, "minute": 45, "second": 29}
